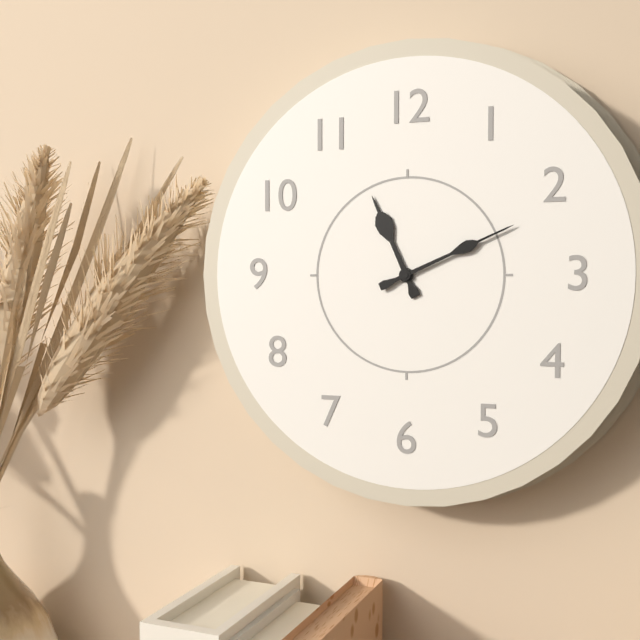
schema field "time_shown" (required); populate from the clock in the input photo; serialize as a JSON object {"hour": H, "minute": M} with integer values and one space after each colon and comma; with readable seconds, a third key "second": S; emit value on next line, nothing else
{"hour": 11, "minute": 11}
